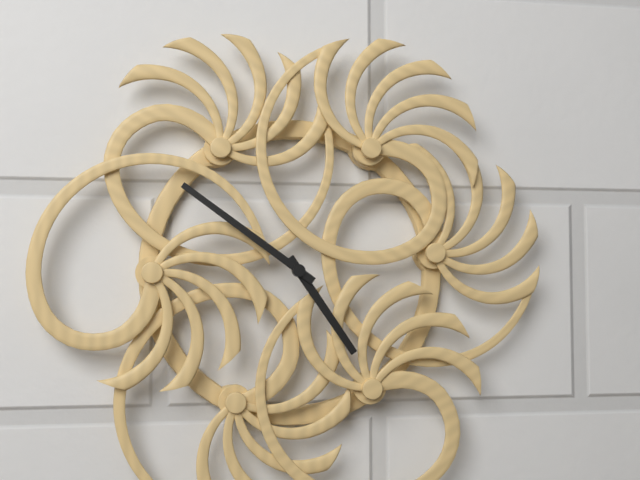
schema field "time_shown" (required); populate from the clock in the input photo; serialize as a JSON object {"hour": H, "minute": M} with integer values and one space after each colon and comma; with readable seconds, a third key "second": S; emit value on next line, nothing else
{"hour": 4, "minute": 51}
